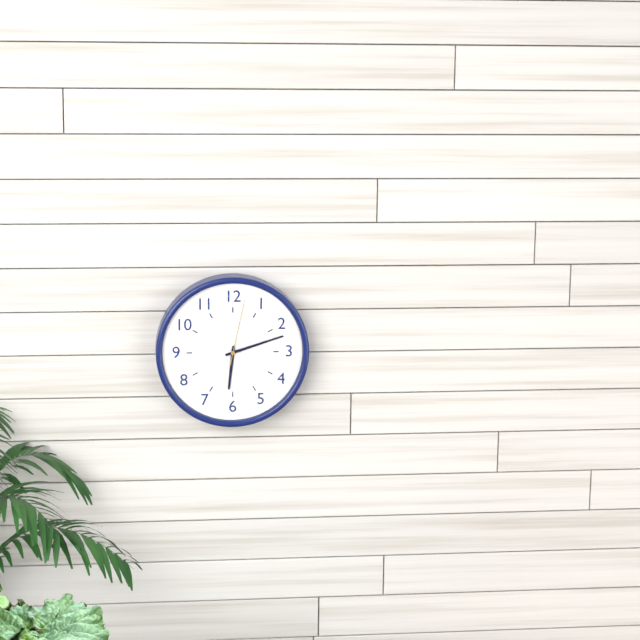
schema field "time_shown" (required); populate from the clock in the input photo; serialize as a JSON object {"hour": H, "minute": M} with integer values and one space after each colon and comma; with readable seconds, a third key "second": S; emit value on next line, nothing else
{"hour": 6, "minute": 12, "second": 2}
